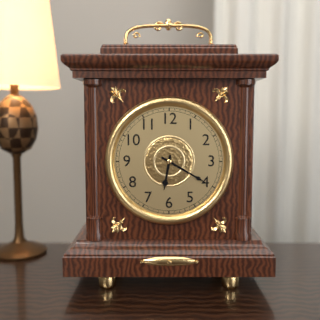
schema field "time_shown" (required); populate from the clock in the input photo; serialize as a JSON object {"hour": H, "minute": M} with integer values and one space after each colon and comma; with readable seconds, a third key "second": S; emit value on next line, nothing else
{"hour": 6, "minute": 20}
